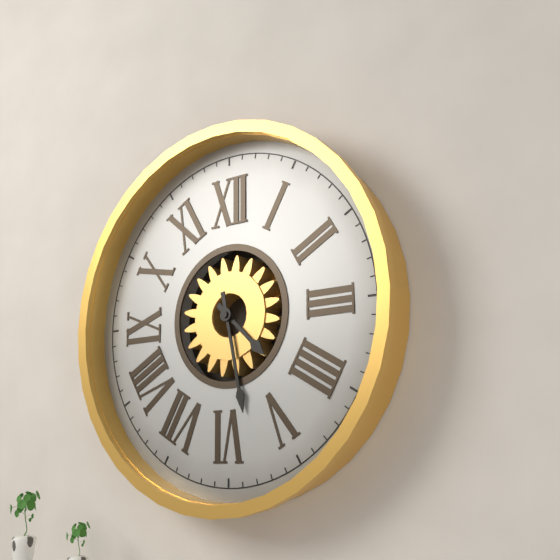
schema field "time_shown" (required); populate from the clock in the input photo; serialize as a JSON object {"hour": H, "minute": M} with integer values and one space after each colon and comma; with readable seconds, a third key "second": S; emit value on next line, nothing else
{"hour": 4, "minute": 28}
